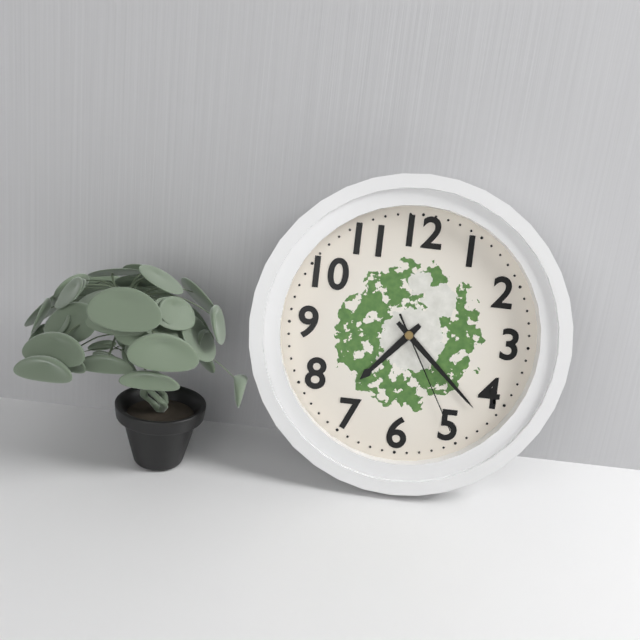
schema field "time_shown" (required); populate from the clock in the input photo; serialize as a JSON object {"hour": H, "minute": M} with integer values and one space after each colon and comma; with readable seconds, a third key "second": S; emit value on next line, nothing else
{"hour": 7, "minute": 22, "second": 25}
